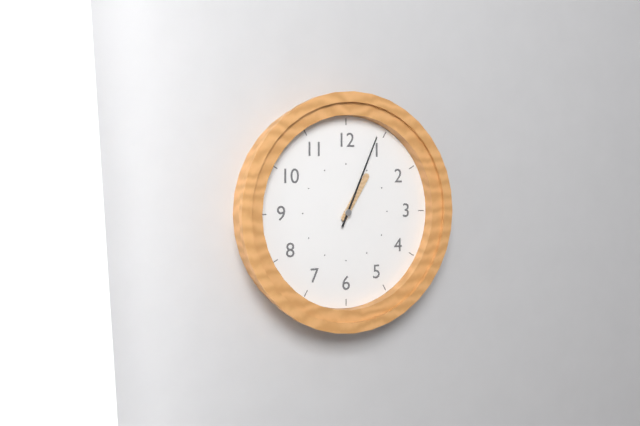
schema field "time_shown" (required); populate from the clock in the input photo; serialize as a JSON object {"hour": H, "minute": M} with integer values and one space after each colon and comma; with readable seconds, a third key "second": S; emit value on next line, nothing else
{"hour": 1, "minute": 4}
